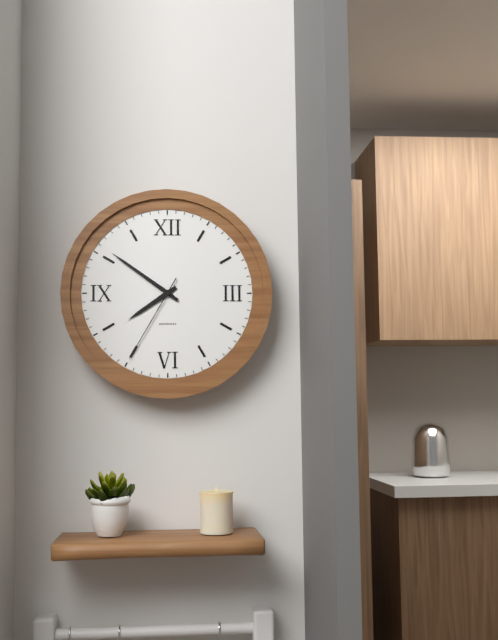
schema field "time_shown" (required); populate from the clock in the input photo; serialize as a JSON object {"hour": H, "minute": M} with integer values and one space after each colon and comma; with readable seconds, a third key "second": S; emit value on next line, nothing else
{"hour": 7, "minute": 51, "second": 35}
